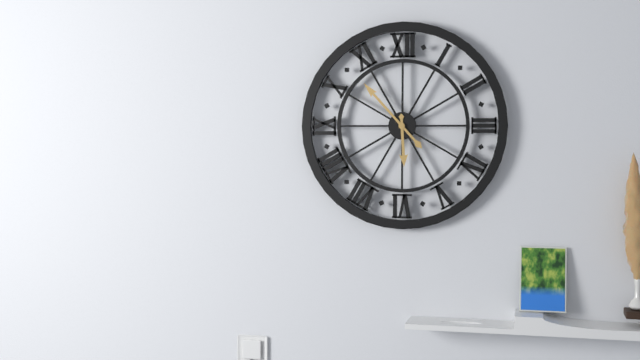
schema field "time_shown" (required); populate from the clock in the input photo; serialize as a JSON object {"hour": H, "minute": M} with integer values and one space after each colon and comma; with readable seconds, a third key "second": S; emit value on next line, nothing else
{"hour": 5, "minute": 53}
